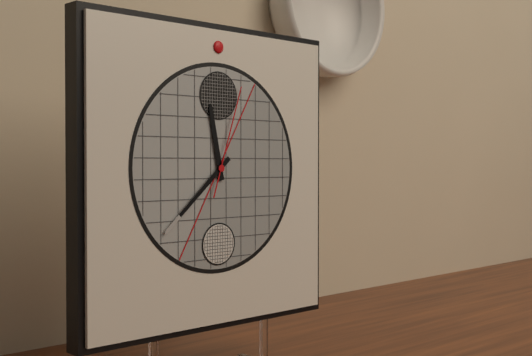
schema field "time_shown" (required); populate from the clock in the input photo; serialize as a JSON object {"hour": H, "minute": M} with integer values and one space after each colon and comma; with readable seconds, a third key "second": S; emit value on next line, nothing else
{"hour": 11, "minute": 38, "second": 3}
